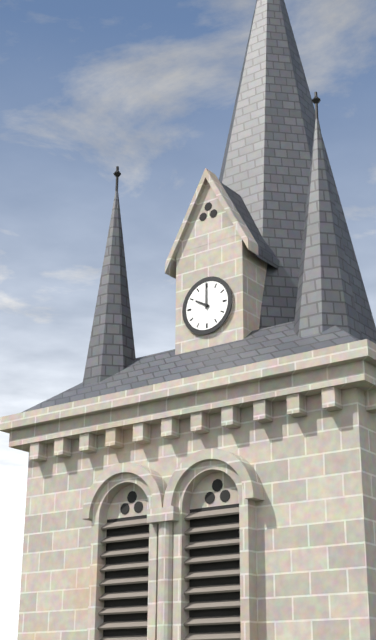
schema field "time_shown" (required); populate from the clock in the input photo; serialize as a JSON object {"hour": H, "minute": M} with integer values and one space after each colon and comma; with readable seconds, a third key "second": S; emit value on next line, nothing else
{"hour": 10, "minute": 0}
